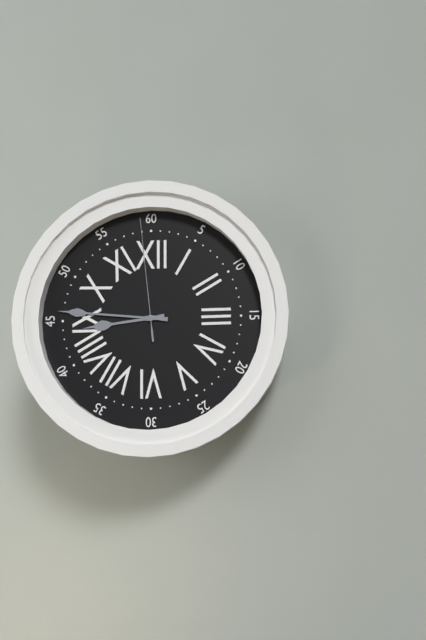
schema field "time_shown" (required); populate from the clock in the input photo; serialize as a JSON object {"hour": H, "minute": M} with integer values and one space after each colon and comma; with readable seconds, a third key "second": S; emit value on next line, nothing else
{"hour": 8, "minute": 46, "second": 59}
